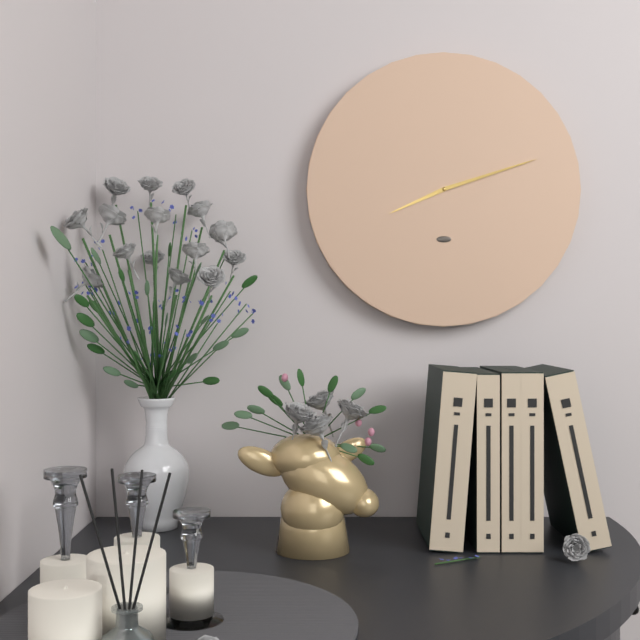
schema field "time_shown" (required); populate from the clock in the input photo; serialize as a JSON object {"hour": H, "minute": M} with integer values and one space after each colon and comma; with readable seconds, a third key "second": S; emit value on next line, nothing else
{"hour": 8, "minute": 12}
